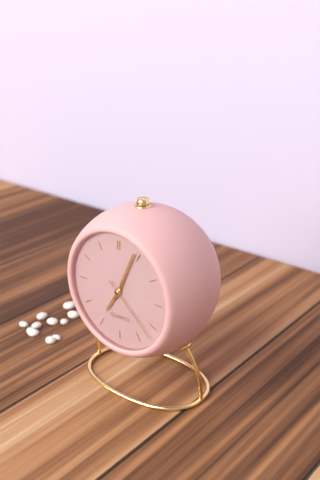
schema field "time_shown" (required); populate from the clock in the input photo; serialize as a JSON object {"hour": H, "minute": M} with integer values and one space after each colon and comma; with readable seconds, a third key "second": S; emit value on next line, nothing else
{"hour": 7, "minute": 4, "second": 22}
